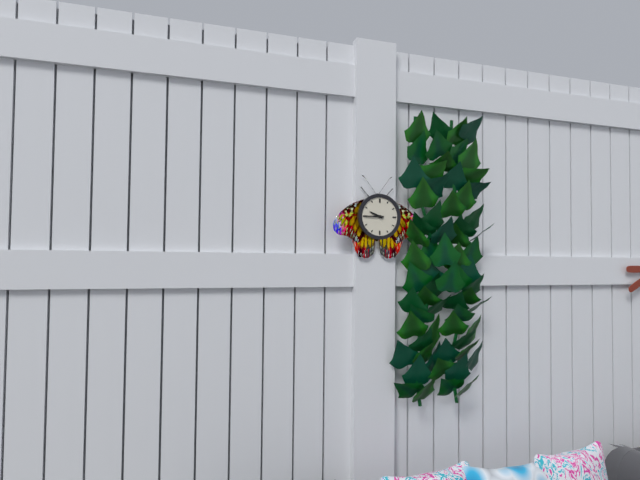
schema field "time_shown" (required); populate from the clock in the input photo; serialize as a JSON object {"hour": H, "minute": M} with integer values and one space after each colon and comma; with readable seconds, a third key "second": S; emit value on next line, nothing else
{"hour": 9, "minute": 45}
